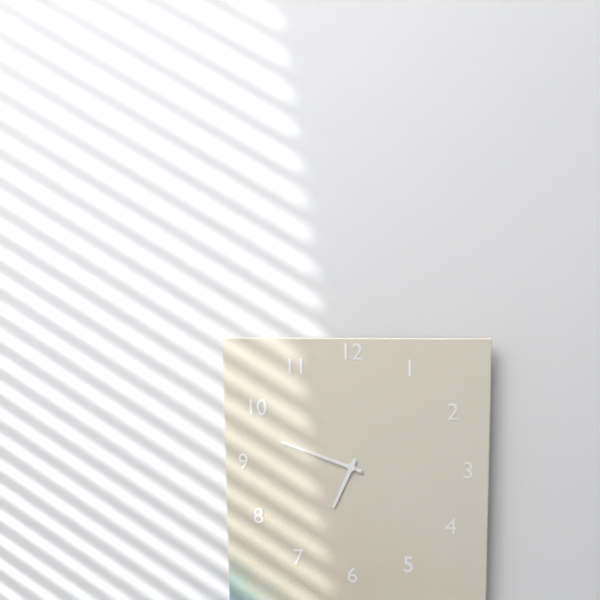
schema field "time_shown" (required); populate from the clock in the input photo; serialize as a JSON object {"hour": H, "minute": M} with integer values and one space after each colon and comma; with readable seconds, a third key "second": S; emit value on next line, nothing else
{"hour": 6, "minute": 48}
